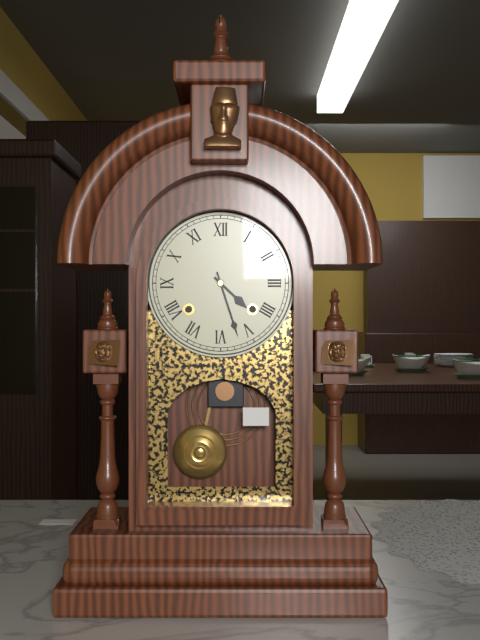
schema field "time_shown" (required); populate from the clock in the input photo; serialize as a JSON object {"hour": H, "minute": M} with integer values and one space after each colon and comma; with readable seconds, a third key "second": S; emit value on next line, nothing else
{"hour": 4, "minute": 27}
